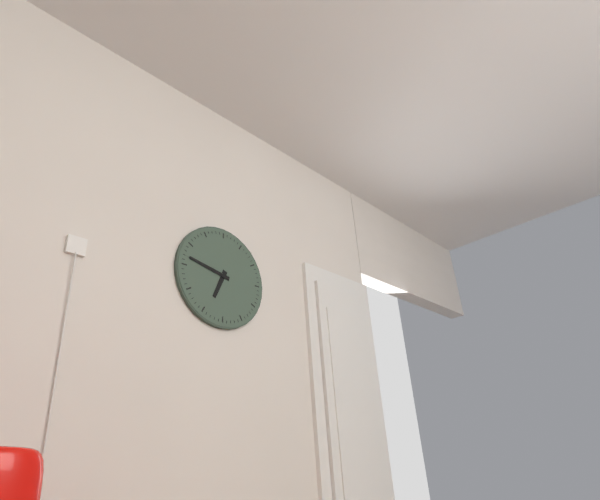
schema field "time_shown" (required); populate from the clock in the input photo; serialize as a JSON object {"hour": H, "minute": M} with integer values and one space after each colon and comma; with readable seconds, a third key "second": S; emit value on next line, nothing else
{"hour": 6, "minute": 47}
